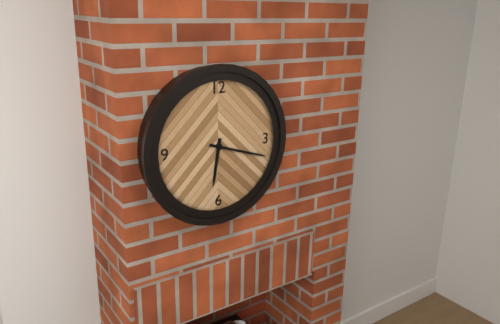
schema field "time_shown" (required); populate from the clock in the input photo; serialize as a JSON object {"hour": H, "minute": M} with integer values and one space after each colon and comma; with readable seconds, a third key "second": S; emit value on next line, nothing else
{"hour": 6, "minute": 18}
